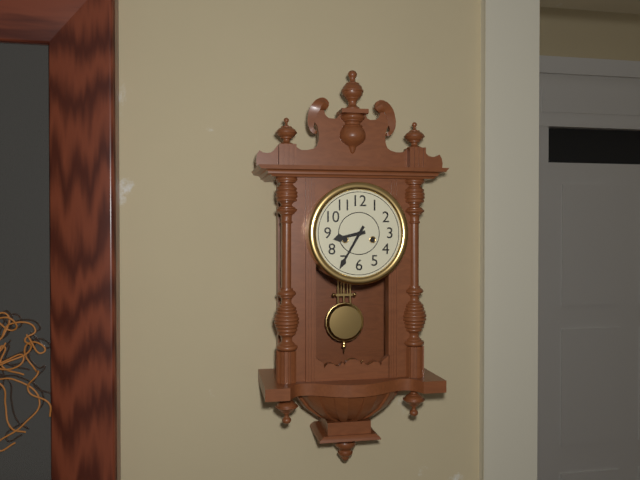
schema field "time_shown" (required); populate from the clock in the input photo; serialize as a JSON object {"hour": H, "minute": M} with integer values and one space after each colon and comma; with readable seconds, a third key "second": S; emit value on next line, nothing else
{"hour": 8, "minute": 35}
